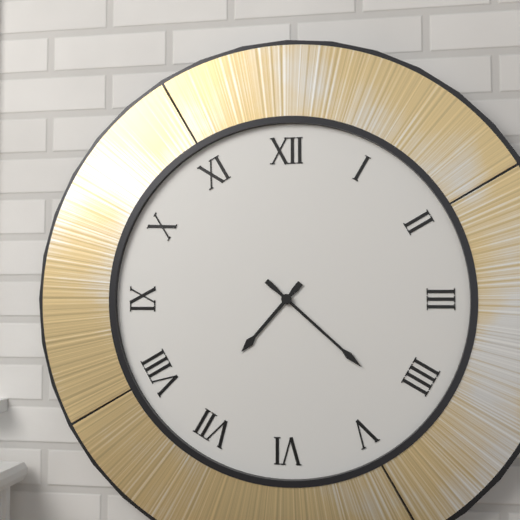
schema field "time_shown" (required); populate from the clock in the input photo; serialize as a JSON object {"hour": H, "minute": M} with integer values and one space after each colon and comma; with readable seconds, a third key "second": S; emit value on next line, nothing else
{"hour": 7, "minute": 22}
